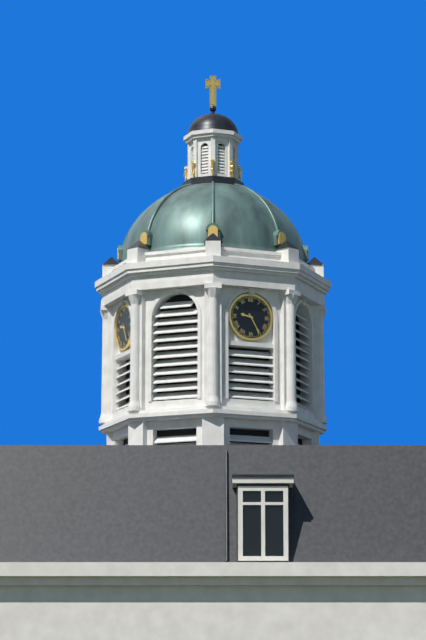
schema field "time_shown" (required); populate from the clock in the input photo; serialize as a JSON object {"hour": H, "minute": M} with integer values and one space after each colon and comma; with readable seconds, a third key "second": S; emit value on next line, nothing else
{"hour": 9, "minute": 25}
